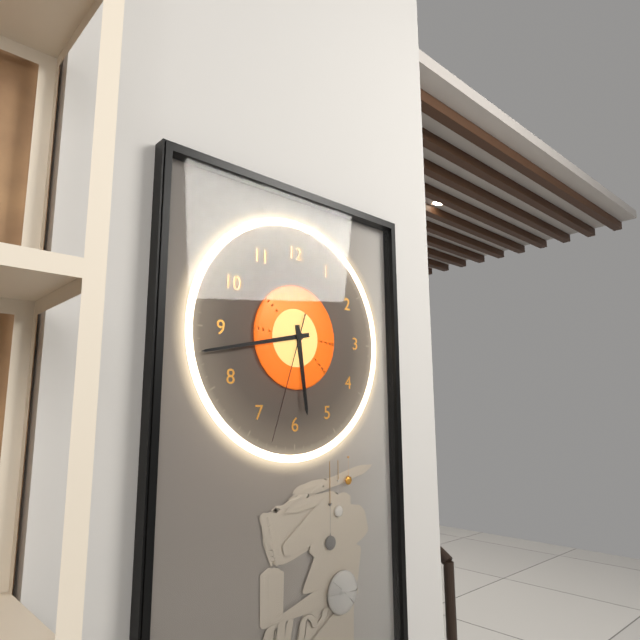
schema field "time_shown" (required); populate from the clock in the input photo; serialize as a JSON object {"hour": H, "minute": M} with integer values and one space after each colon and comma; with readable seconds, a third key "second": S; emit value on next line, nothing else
{"hour": 5, "minute": 43, "second": 33}
